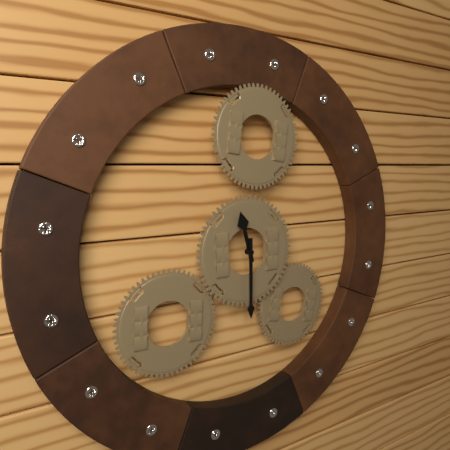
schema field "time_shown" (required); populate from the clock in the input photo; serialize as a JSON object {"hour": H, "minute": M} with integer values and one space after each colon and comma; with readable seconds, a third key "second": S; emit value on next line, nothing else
{"hour": 11, "minute": 30}
